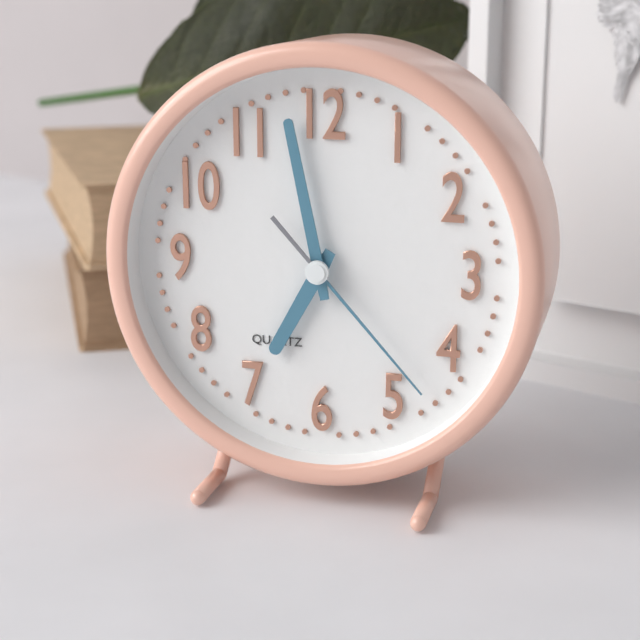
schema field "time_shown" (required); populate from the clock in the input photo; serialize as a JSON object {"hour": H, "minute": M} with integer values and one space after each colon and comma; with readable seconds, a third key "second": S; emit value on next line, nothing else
{"hour": 6, "minute": 58, "second": 23}
